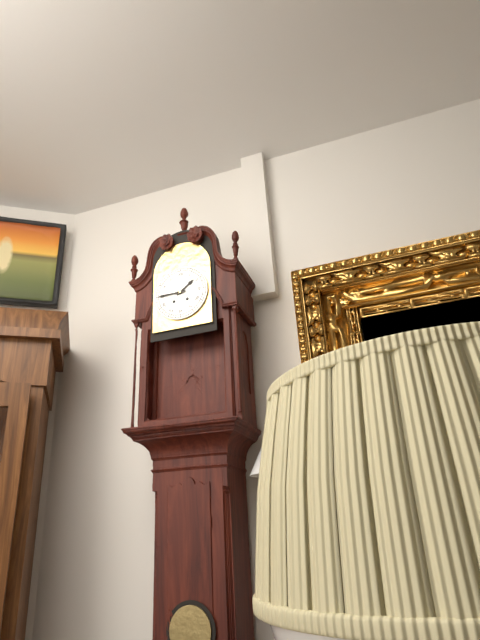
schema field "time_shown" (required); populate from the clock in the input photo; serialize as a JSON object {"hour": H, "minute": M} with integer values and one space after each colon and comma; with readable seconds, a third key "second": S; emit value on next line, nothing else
{"hour": 1, "minute": 45}
